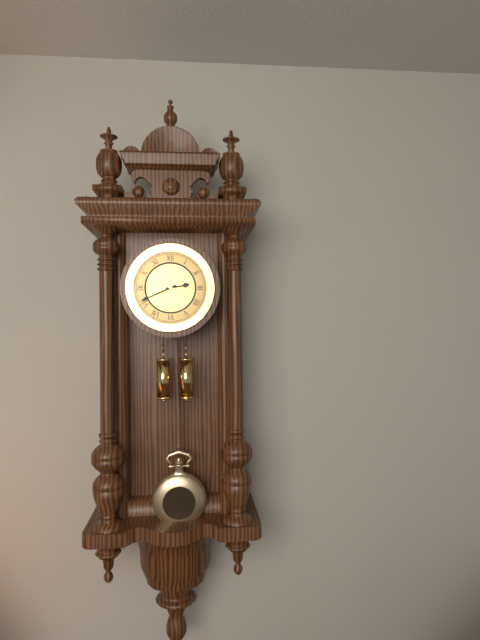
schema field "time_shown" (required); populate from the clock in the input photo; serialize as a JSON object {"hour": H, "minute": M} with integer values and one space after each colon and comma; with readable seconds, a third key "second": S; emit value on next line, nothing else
{"hour": 2, "minute": 41}
